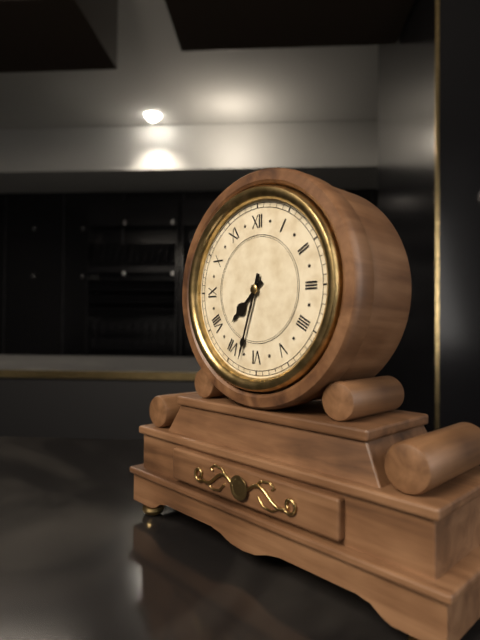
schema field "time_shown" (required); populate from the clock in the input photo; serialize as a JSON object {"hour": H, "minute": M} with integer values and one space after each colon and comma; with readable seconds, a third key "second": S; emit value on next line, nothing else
{"hour": 7, "minute": 33}
